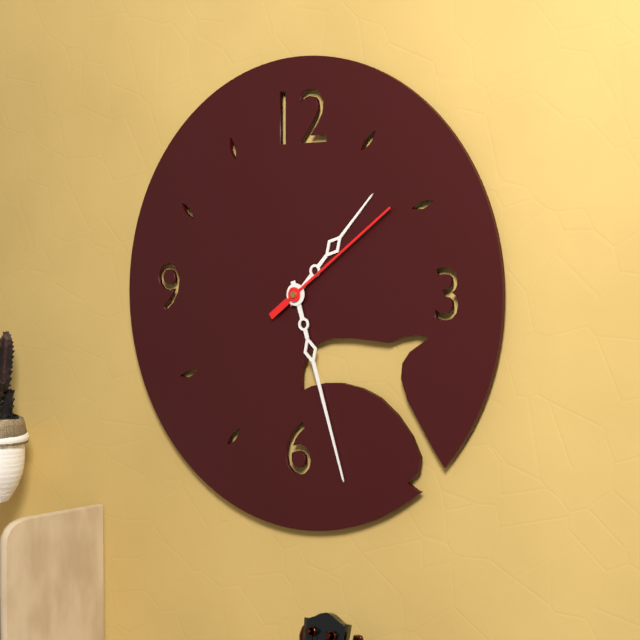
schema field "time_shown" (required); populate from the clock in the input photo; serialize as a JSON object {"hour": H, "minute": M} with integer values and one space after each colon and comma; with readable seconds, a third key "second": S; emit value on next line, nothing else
{"hour": 1, "minute": 27, "second": 9}
